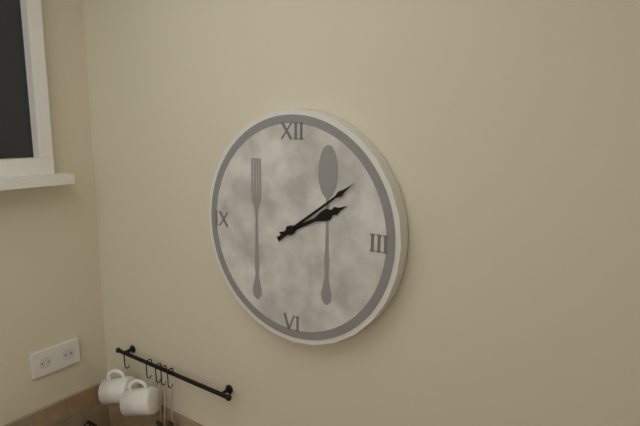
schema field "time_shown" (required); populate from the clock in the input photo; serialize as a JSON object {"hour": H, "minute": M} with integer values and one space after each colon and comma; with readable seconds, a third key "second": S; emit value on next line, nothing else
{"hour": 2, "minute": 9}
